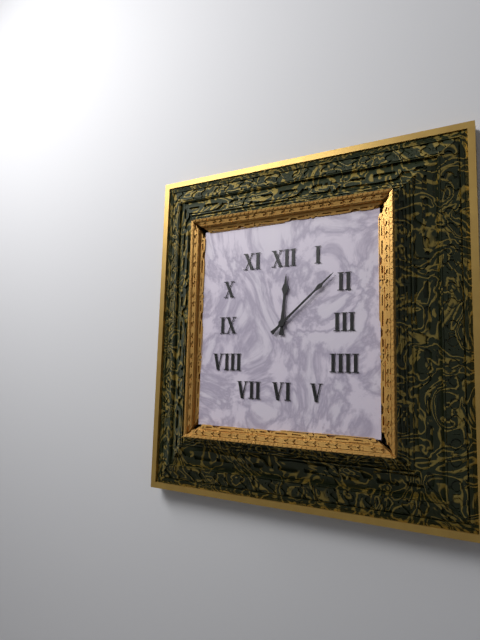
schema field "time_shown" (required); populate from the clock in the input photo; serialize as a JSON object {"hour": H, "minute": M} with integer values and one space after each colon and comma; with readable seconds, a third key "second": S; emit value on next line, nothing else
{"hour": 12, "minute": 8}
